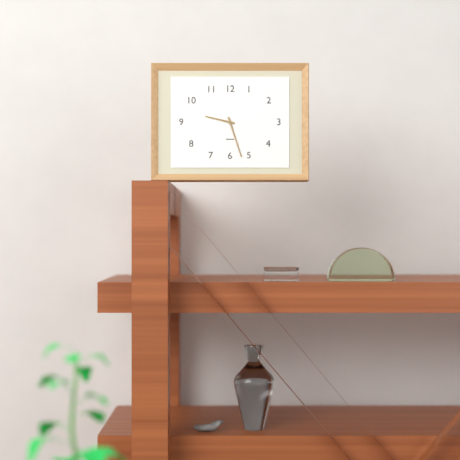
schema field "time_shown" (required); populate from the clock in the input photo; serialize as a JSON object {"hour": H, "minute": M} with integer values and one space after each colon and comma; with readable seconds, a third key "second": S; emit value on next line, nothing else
{"hour": 9, "minute": 27}
